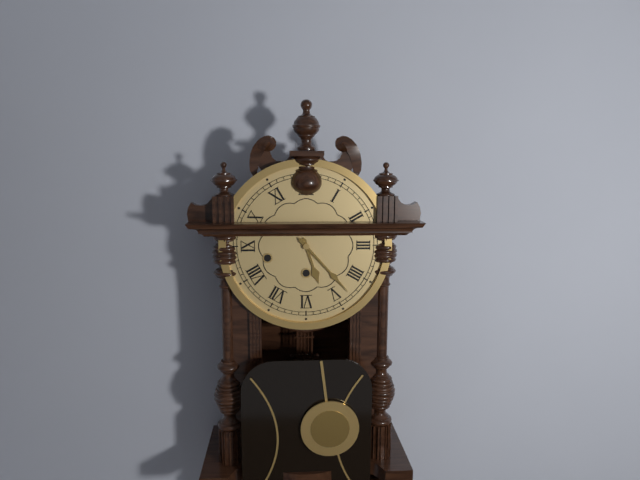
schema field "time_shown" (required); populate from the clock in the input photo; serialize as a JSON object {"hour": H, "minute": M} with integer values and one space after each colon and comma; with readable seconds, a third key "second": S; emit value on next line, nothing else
{"hour": 5, "minute": 23}
